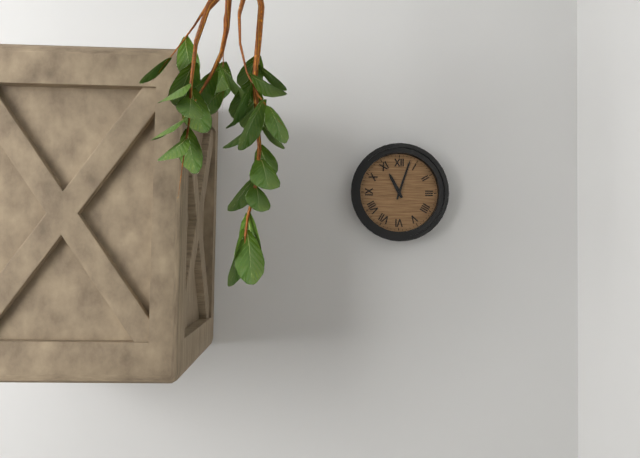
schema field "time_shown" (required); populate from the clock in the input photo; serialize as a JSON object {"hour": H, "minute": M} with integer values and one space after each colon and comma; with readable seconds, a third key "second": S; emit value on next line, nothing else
{"hour": 11, "minute": 3}
